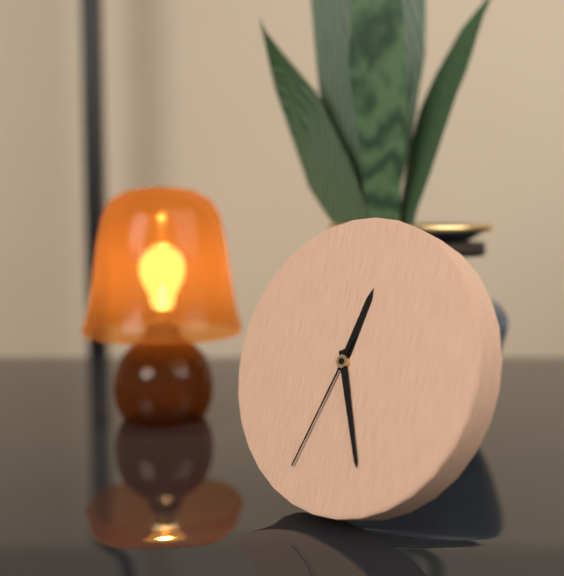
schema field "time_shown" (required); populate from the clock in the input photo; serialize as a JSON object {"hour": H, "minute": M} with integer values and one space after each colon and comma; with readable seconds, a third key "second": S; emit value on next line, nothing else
{"hour": 12, "minute": 26, "second": 33}
